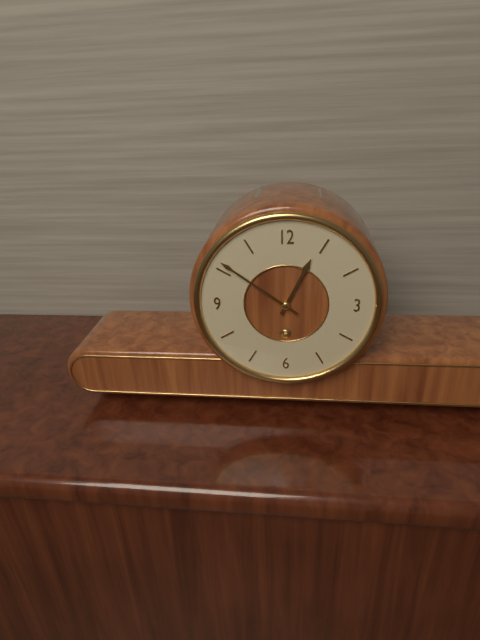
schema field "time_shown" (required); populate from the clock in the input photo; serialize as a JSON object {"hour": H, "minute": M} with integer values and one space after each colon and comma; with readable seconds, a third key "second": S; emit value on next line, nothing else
{"hour": 12, "minute": 51}
